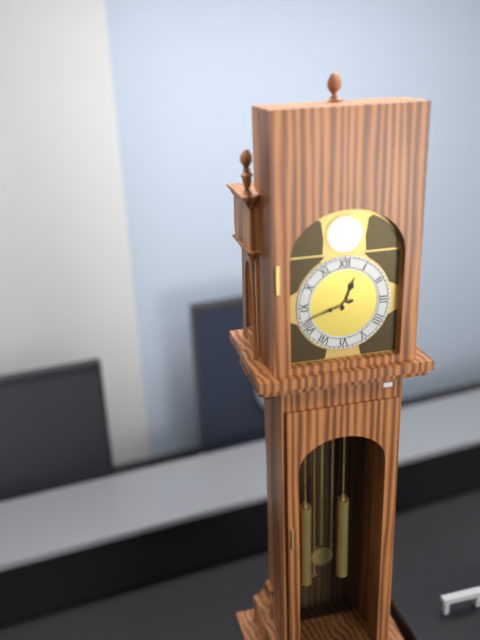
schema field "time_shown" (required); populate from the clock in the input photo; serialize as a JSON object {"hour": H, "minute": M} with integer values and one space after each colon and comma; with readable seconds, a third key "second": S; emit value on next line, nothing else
{"hour": 12, "minute": 42}
